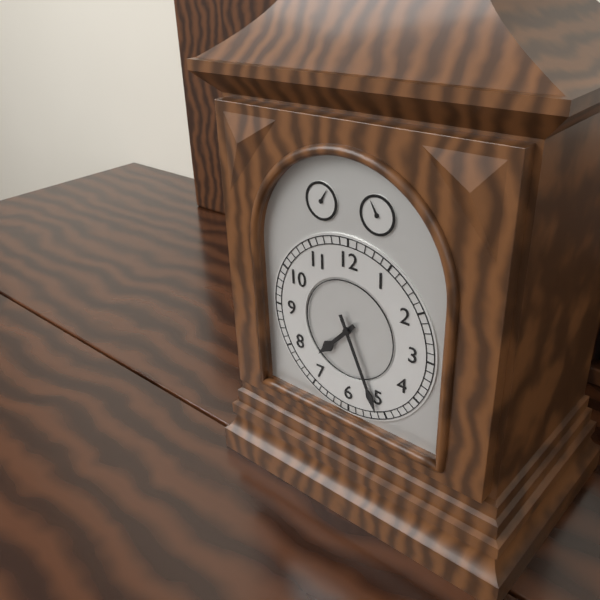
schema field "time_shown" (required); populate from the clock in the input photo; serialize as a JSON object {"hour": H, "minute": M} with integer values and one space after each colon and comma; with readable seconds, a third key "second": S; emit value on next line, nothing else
{"hour": 7, "minute": 26}
